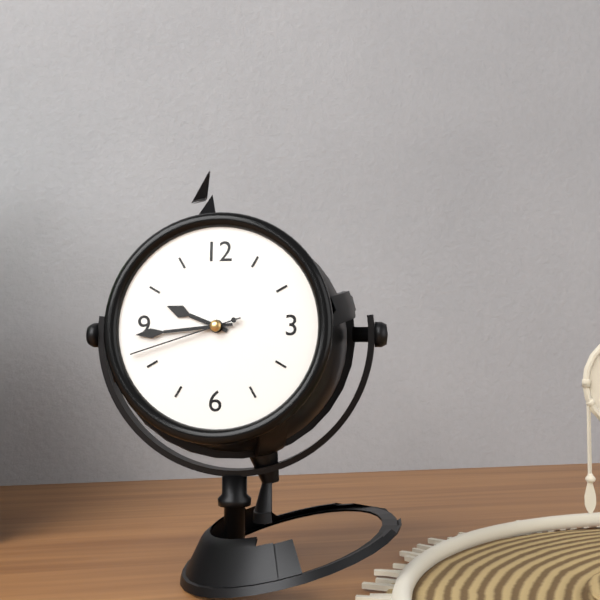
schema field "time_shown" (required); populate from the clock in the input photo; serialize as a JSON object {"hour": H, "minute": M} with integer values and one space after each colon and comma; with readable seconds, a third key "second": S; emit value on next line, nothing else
{"hour": 9, "minute": 44, "second": 42}
